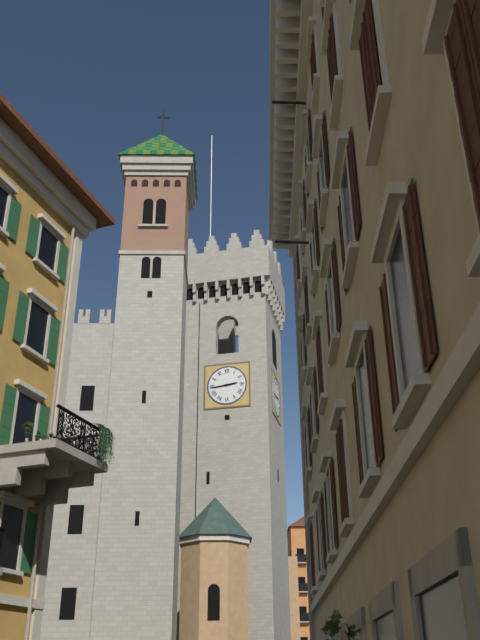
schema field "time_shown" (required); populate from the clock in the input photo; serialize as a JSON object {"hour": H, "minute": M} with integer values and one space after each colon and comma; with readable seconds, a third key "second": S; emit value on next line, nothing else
{"hour": 2, "minute": 44}
